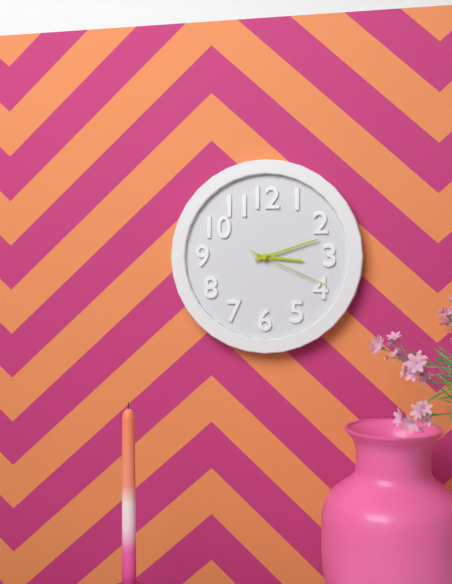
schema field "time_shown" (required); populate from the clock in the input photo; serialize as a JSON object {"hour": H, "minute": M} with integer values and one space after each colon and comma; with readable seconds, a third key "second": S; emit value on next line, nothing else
{"hour": 3, "minute": 12, "second": 19}
